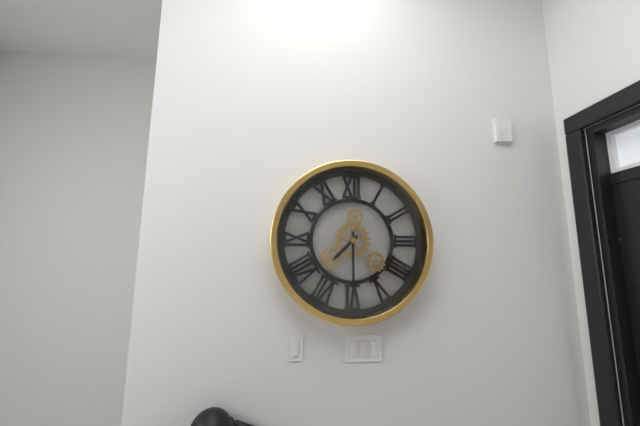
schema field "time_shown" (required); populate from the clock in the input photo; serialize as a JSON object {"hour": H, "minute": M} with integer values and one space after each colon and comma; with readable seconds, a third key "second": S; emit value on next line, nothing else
{"hour": 7, "minute": 30}
